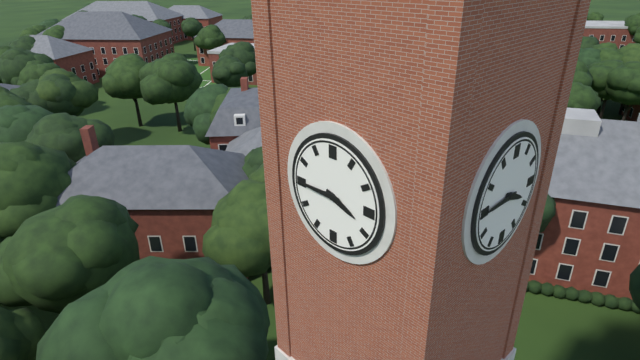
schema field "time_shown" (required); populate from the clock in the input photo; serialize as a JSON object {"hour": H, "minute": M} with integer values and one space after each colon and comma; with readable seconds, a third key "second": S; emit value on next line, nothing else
{"hour": 3, "minute": 45}
